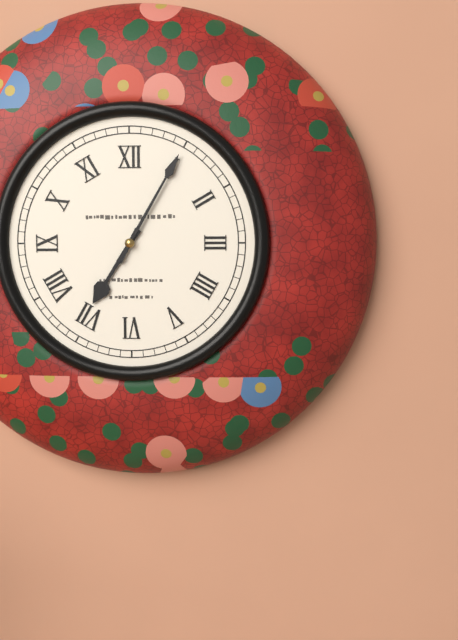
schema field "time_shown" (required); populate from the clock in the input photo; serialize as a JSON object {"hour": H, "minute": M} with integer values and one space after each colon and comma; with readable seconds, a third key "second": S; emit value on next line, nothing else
{"hour": 7, "minute": 5}
